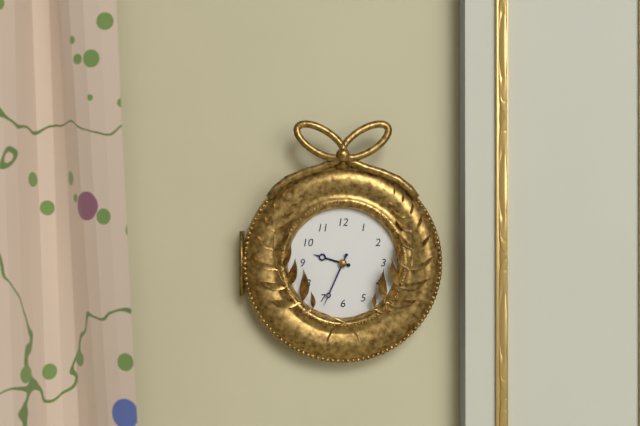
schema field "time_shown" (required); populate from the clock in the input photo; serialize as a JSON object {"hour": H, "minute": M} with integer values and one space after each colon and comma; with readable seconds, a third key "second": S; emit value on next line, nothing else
{"hour": 9, "minute": 34}
